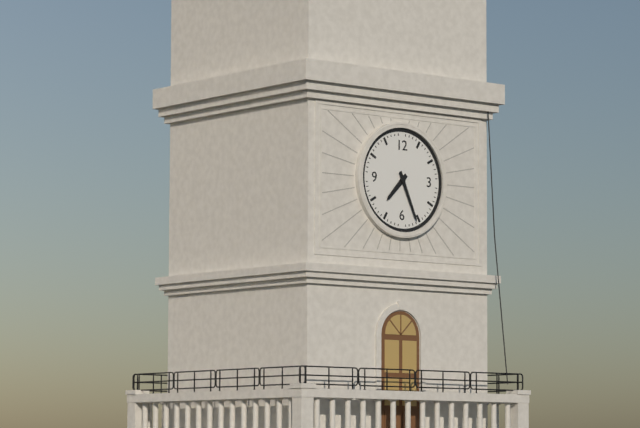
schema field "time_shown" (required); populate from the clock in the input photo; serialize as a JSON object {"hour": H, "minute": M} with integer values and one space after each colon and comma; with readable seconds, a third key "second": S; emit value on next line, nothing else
{"hour": 7, "minute": 26}
